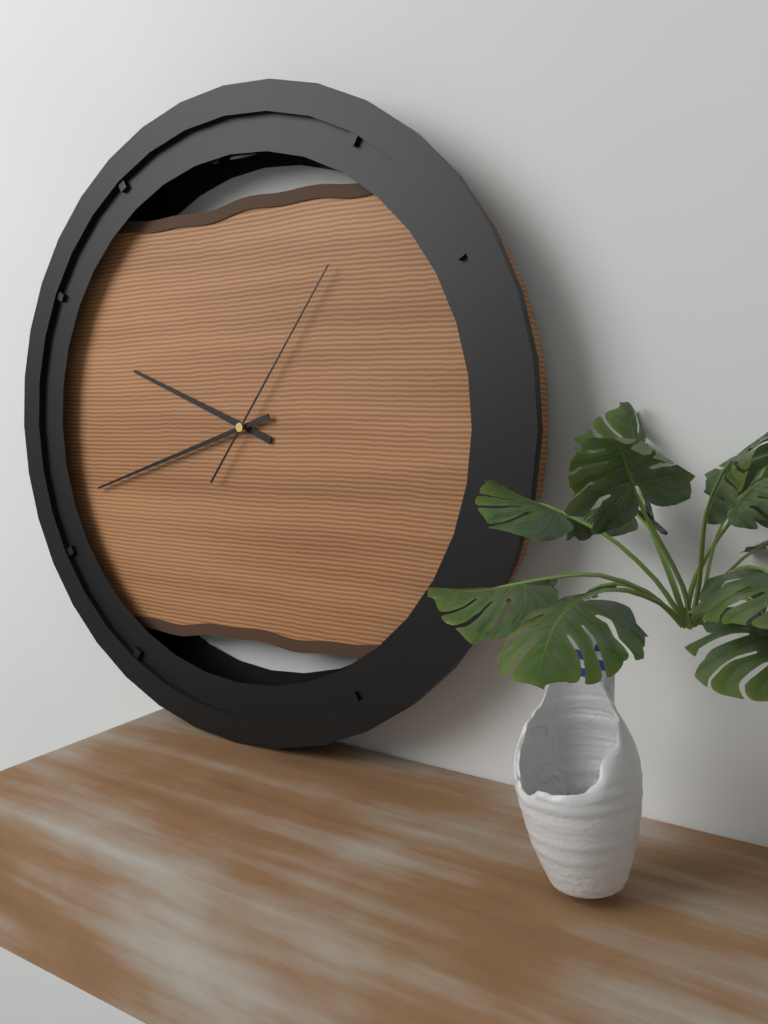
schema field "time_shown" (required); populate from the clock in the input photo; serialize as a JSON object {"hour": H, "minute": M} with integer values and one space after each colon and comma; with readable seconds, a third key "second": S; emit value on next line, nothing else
{"hour": 9, "minute": 42, "second": 6}
